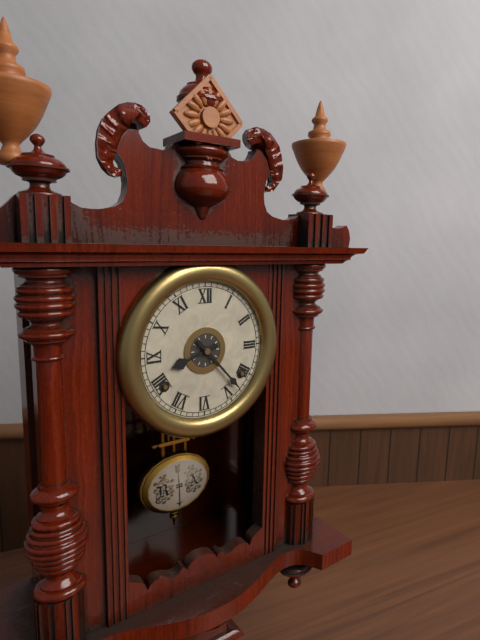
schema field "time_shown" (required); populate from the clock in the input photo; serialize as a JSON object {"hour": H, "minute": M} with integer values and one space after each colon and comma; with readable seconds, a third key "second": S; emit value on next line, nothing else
{"hour": 8, "minute": 23}
